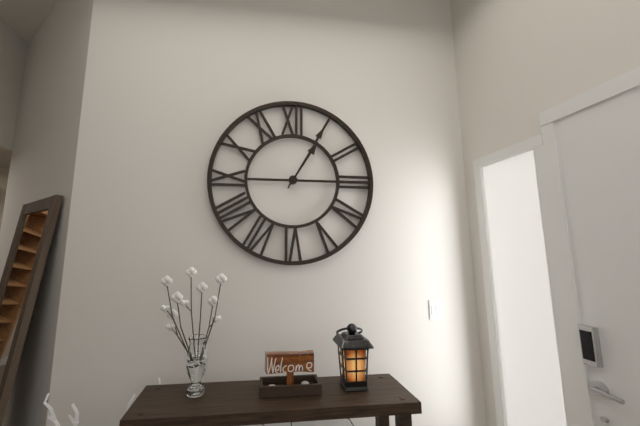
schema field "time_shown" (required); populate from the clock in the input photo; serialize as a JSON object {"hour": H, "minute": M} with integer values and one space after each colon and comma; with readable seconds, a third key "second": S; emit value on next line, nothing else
{"hour": 1, "minute": 5}
